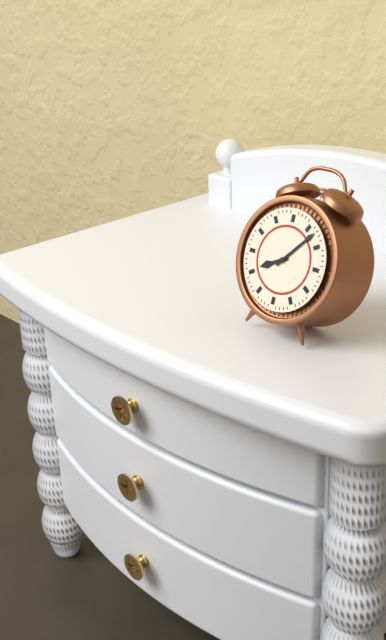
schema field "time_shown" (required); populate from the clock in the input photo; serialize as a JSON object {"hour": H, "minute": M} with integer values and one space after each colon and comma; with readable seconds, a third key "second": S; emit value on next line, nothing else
{"hour": 8, "minute": 7}
